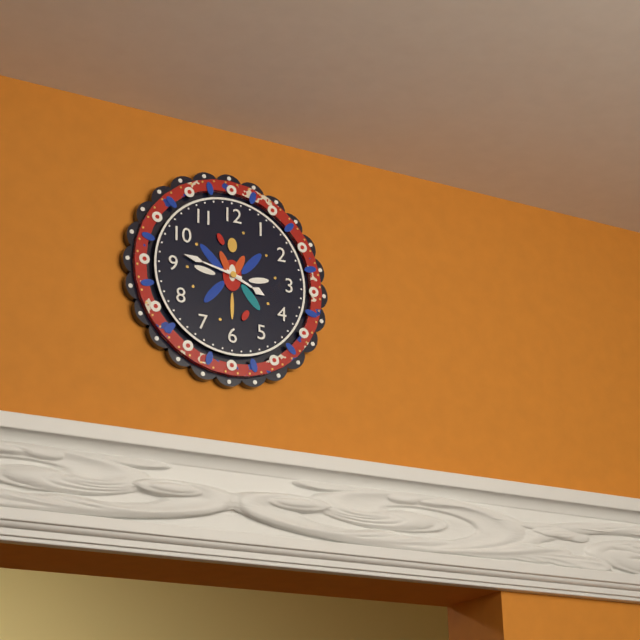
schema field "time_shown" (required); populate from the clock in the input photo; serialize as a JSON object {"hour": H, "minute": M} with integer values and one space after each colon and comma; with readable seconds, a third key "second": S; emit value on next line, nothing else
{"hour": 3, "minute": 47}
